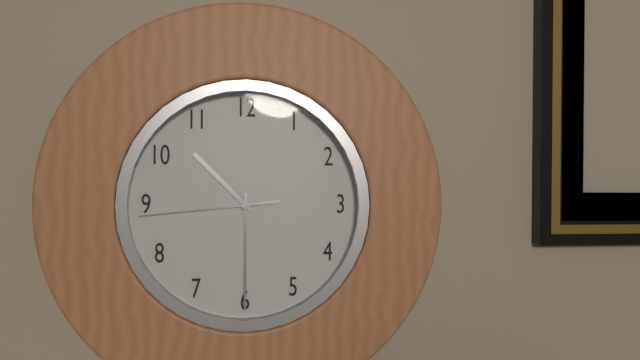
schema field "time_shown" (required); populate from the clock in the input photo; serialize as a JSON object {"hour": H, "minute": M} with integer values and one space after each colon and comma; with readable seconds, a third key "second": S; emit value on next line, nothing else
{"hour": 10, "minute": 30, "second": 44}
